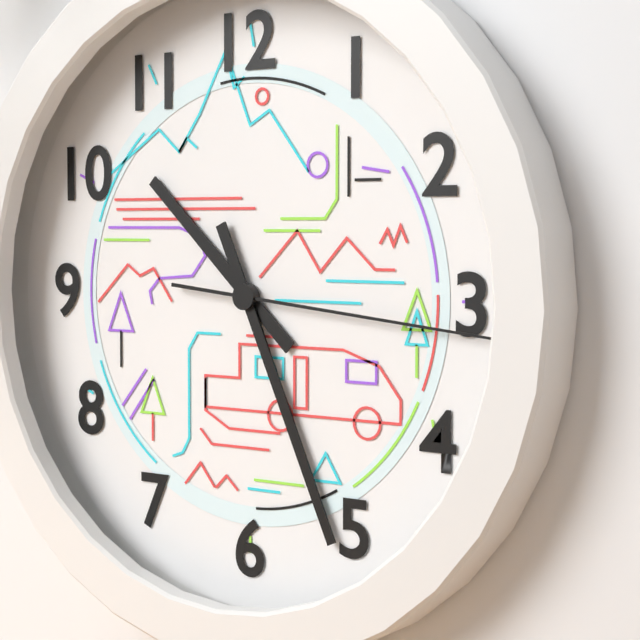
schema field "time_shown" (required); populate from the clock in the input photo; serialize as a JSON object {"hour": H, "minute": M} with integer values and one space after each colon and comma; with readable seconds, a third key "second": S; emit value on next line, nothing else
{"hour": 10, "minute": 26, "second": 16}
